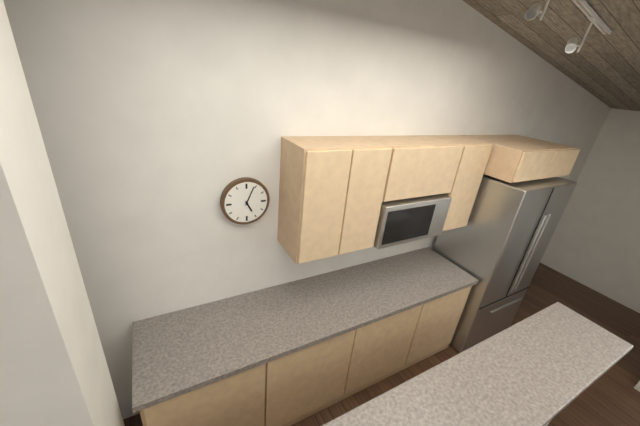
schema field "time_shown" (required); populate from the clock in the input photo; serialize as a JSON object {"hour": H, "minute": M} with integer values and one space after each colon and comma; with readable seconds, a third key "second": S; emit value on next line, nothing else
{"hour": 5, "minute": 4}
